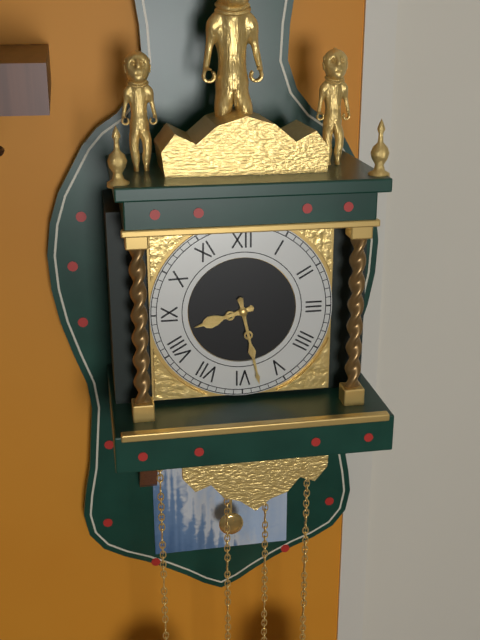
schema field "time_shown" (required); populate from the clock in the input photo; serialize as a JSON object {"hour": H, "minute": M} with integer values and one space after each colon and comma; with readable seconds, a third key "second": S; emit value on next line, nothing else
{"hour": 8, "minute": 28}
